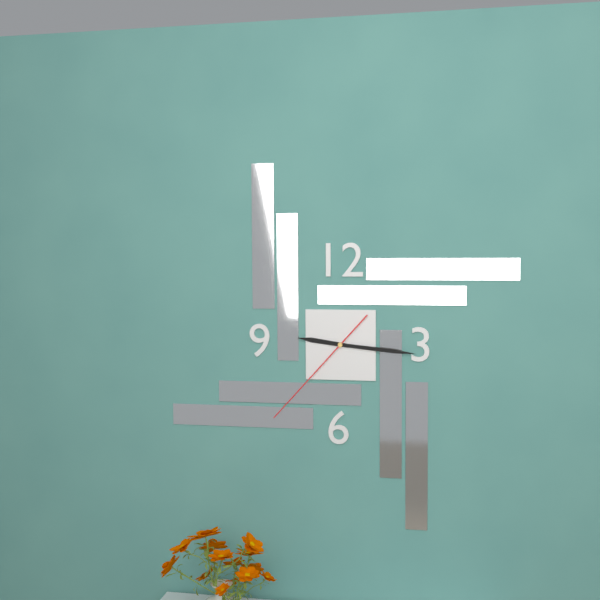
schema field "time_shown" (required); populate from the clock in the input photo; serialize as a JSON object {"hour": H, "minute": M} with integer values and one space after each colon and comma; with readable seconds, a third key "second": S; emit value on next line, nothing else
{"hour": 9, "minute": 16, "second": 37}
